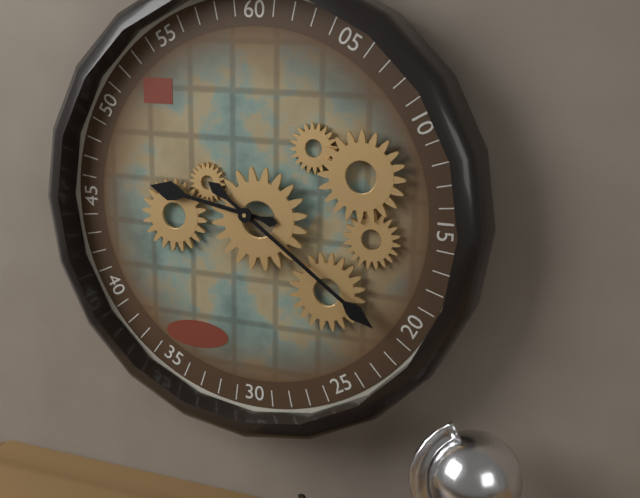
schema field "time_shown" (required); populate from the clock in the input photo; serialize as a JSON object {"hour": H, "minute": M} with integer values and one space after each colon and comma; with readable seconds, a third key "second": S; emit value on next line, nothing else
{"hour": 9, "minute": 21}
